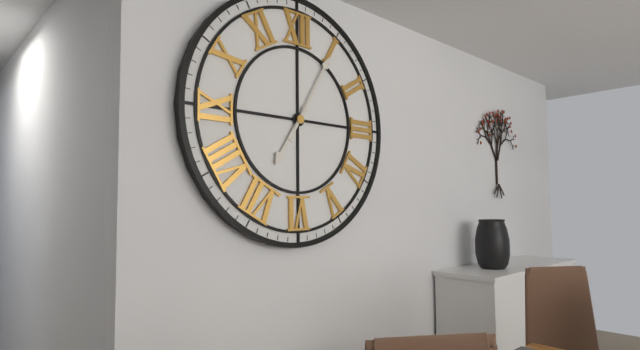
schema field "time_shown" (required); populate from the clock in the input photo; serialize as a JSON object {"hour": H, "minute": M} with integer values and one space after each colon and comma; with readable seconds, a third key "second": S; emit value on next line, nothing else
{"hour": 7, "minute": 5}
